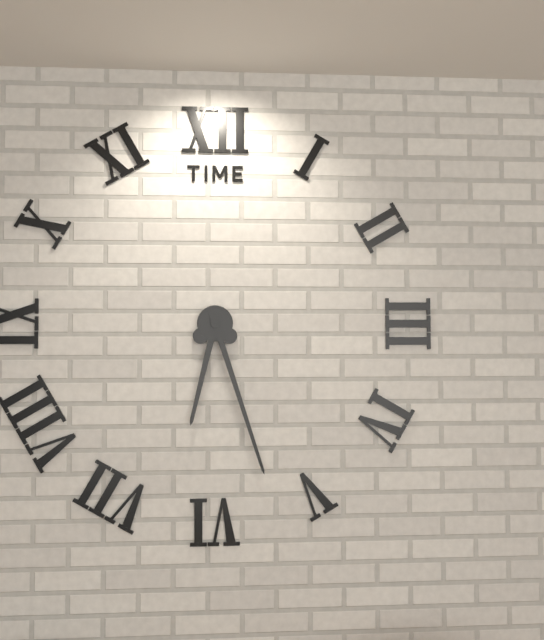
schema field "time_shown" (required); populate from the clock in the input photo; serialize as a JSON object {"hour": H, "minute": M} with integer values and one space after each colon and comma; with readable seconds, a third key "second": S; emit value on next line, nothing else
{"hour": 6, "minute": 27}
